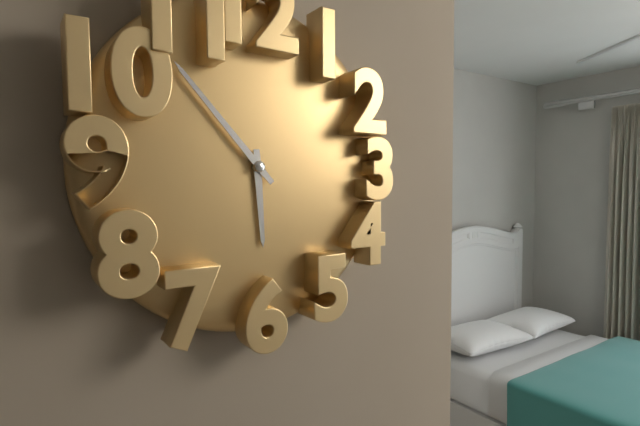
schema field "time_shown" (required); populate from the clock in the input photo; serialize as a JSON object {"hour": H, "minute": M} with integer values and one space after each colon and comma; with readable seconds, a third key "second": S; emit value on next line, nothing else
{"hour": 5, "minute": 53}
